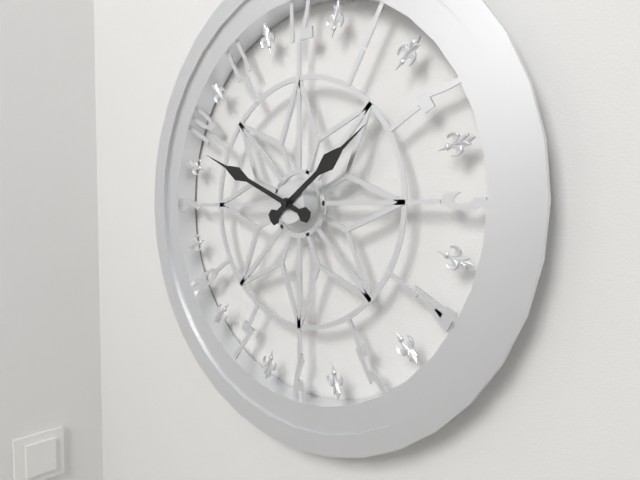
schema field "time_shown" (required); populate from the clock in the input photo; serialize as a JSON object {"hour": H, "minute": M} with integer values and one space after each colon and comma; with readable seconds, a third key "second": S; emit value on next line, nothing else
{"hour": 1, "minute": 49}
